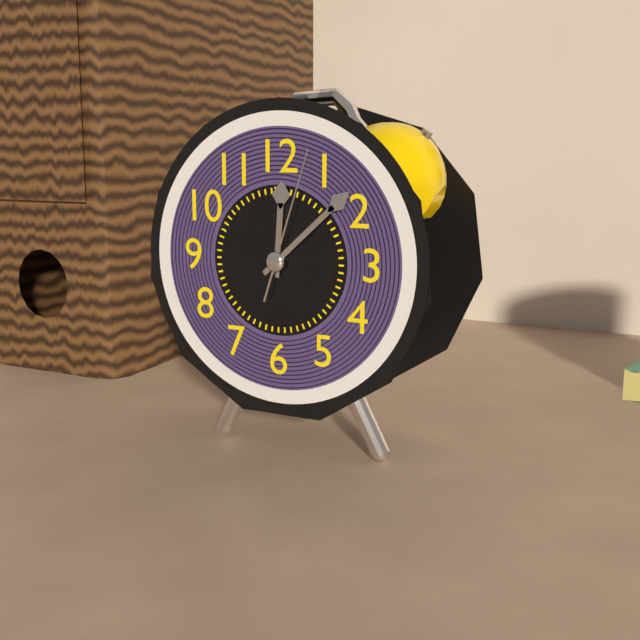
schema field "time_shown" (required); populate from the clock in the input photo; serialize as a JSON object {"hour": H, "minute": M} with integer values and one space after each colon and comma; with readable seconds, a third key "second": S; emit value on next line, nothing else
{"hour": 12, "minute": 8, "second": 3}
